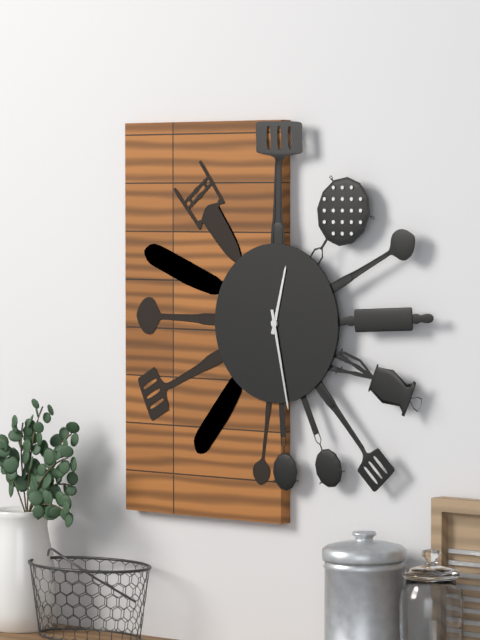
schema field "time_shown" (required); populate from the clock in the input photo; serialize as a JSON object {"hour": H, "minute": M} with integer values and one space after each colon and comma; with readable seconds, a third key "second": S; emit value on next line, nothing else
{"hour": 12, "minute": 28}
